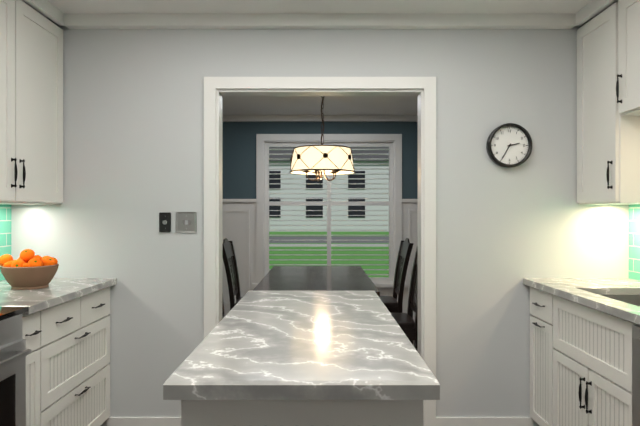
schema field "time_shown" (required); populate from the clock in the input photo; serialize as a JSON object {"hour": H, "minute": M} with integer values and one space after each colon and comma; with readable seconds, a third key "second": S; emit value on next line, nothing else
{"hour": 2, "minute": 35}
